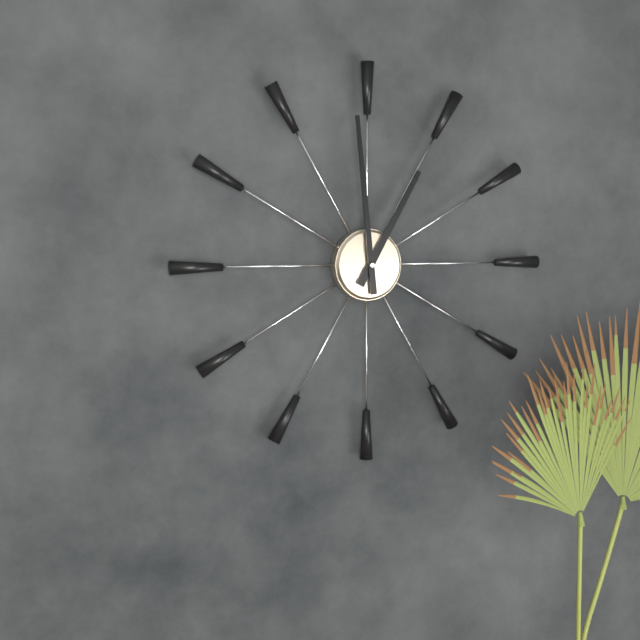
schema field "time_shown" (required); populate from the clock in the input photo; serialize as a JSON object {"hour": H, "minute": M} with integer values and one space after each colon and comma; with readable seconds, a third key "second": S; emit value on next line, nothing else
{"hour": 12, "minute": 59}
